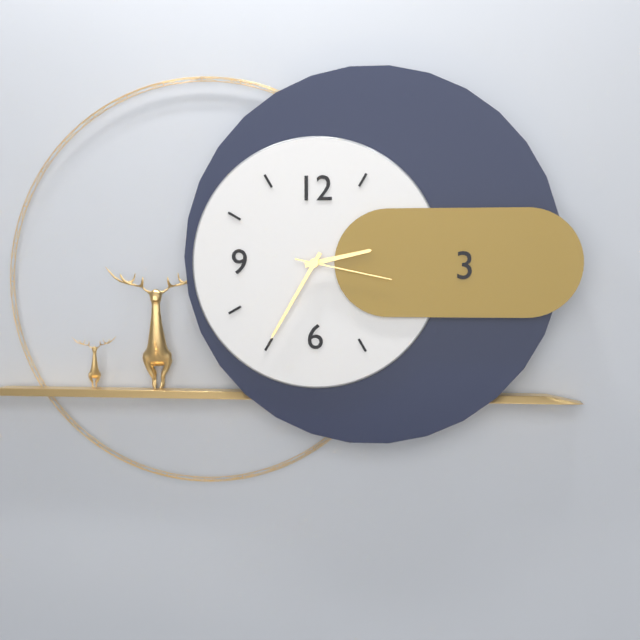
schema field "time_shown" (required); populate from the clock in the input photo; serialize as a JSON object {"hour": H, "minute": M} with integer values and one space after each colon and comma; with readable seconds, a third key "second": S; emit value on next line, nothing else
{"hour": 2, "minute": 35, "second": 17}
